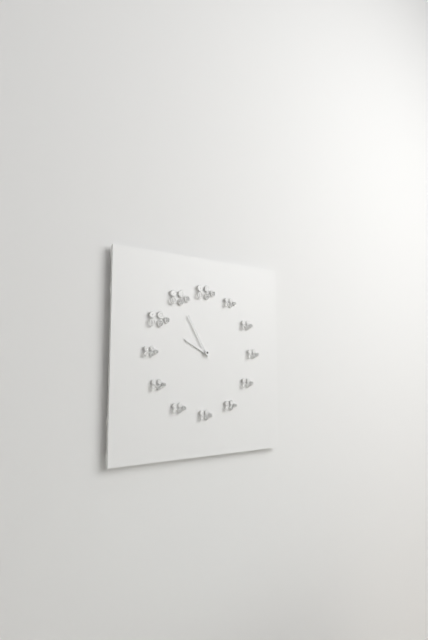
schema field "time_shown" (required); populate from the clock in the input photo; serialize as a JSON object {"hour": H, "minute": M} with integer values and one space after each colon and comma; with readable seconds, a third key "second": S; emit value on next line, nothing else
{"hour": 9, "minute": 55}
